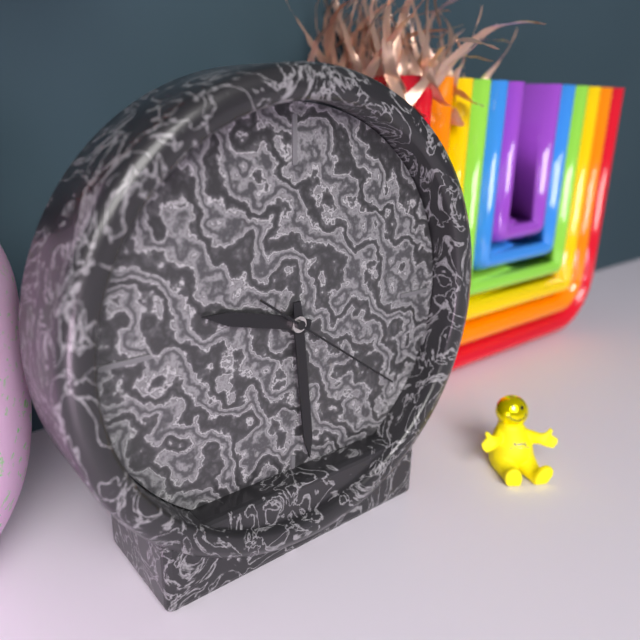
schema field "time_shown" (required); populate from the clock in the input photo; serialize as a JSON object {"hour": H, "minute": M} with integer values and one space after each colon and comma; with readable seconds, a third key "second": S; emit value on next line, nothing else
{"hour": 9, "minute": 29, "second": 21}
